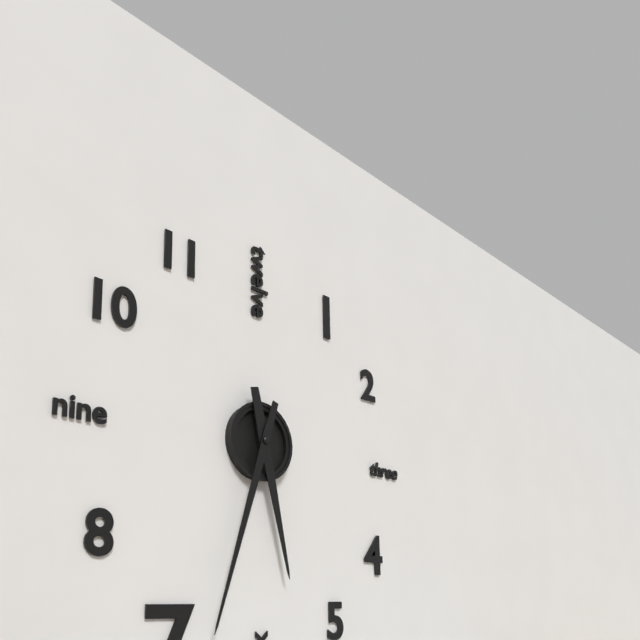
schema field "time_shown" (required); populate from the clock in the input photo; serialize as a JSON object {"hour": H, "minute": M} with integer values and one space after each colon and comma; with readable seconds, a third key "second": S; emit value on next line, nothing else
{"hour": 5, "minute": 33}
